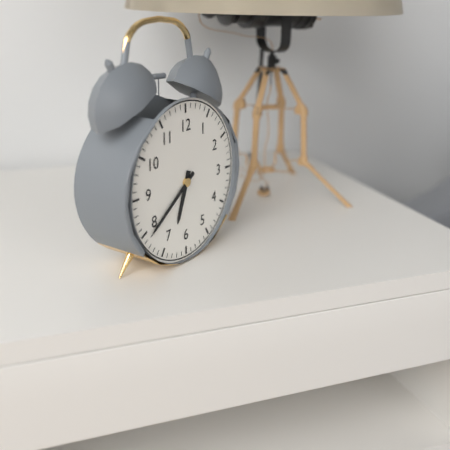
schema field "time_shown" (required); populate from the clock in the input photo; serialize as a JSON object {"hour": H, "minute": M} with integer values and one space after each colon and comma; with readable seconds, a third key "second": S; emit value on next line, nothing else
{"hour": 6, "minute": 39}
